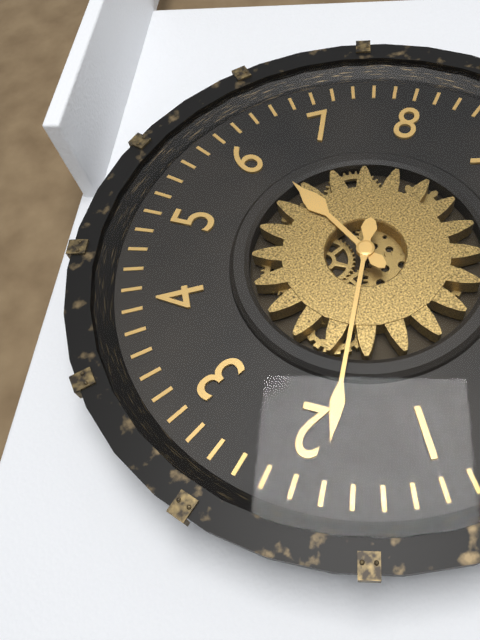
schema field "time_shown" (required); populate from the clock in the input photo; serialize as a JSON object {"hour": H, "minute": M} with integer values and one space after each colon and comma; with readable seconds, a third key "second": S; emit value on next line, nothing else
{"hour": 6, "minute": 9}
